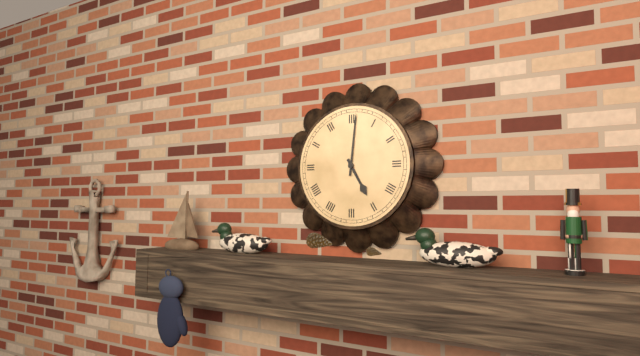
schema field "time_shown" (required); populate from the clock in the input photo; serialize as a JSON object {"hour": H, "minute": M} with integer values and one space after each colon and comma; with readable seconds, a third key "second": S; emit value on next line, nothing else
{"hour": 5, "minute": 1}
